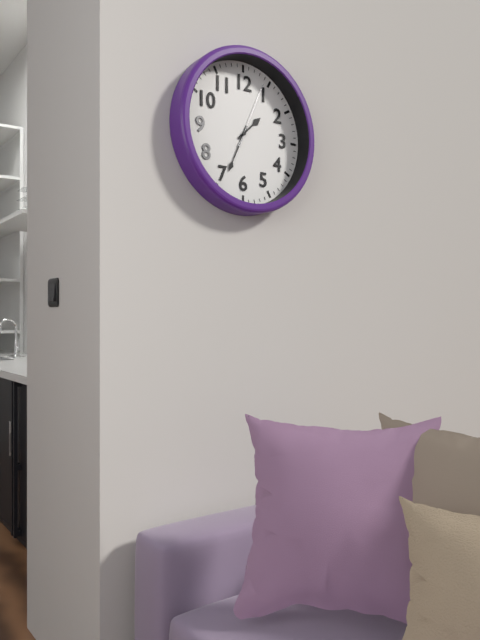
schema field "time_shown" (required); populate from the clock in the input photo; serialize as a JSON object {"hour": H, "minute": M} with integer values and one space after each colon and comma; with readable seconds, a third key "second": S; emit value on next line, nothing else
{"hour": 1, "minute": 34, "second": 4}
